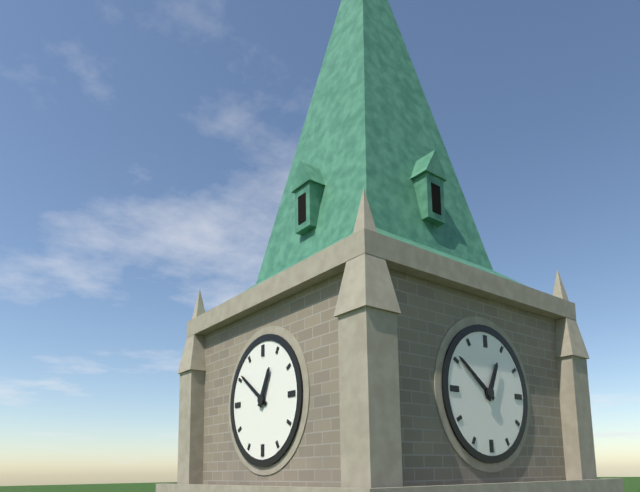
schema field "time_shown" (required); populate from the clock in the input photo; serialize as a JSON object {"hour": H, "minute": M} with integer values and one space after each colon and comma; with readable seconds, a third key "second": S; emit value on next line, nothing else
{"hour": 12, "minute": 51}
